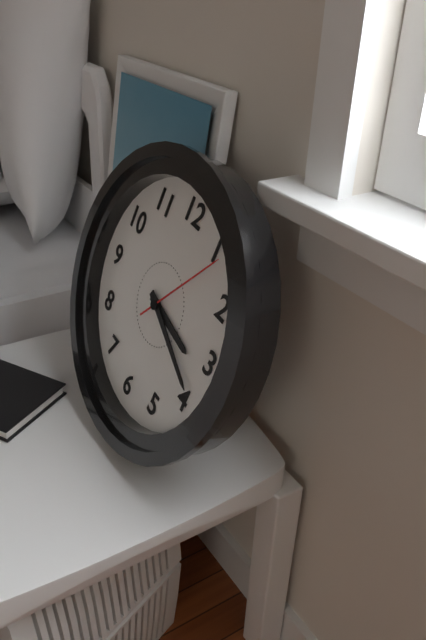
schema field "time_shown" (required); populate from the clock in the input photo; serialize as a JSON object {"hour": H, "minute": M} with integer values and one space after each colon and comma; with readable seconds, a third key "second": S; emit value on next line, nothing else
{"hour": 3, "minute": 19, "second": 6}
